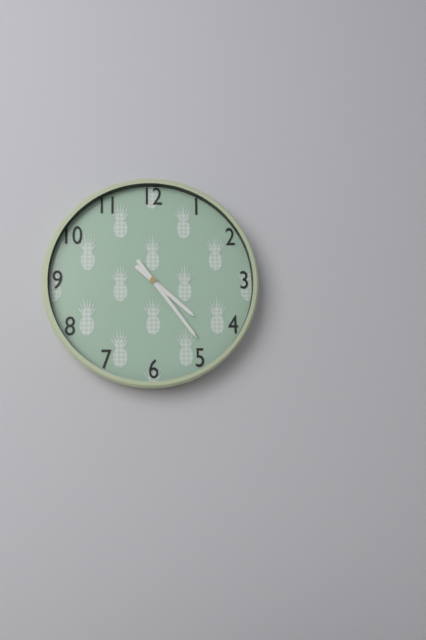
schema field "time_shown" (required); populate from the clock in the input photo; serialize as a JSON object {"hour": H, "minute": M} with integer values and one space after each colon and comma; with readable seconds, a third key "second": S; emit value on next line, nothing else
{"hour": 4, "minute": 24}
